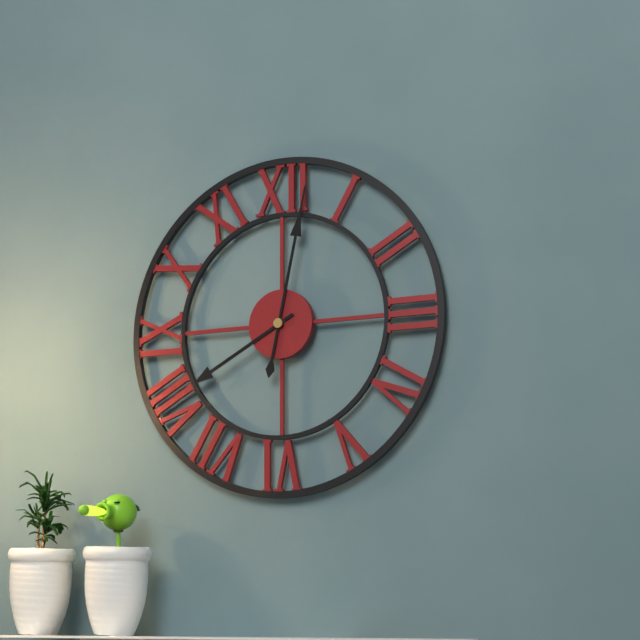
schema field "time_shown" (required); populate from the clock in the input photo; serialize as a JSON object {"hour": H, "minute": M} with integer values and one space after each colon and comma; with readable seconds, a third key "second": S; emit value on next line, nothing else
{"hour": 8, "minute": 2}
